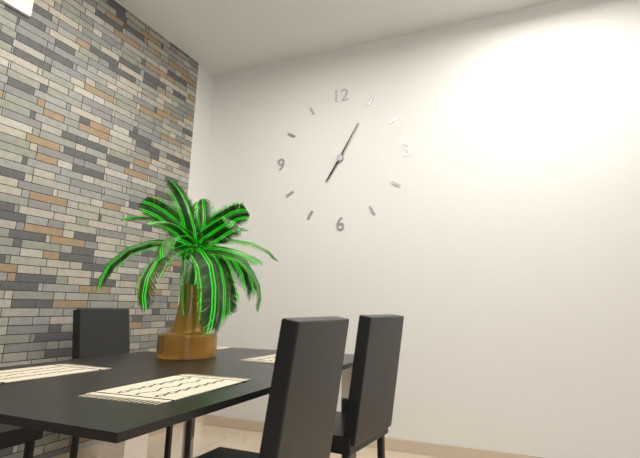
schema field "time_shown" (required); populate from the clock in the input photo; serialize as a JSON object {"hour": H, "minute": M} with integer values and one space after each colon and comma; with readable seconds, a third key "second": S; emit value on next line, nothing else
{"hour": 7, "minute": 5}
